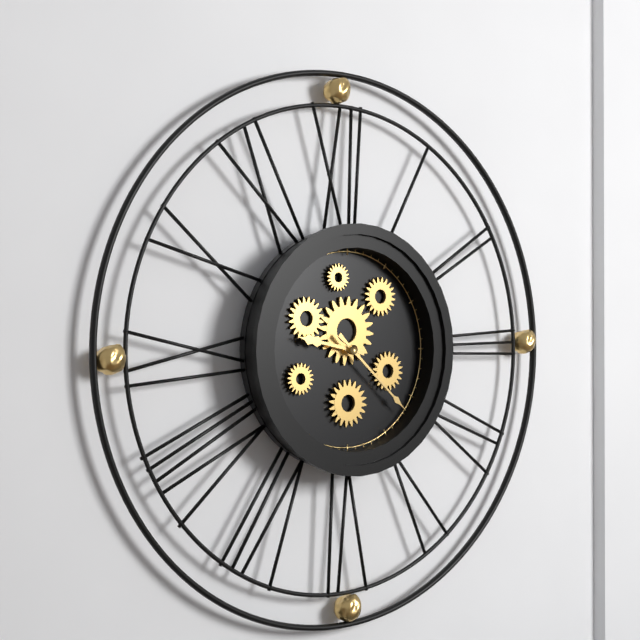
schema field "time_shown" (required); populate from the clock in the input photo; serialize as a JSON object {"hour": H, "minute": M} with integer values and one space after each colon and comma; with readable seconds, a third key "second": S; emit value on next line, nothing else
{"hour": 9, "minute": 22}
